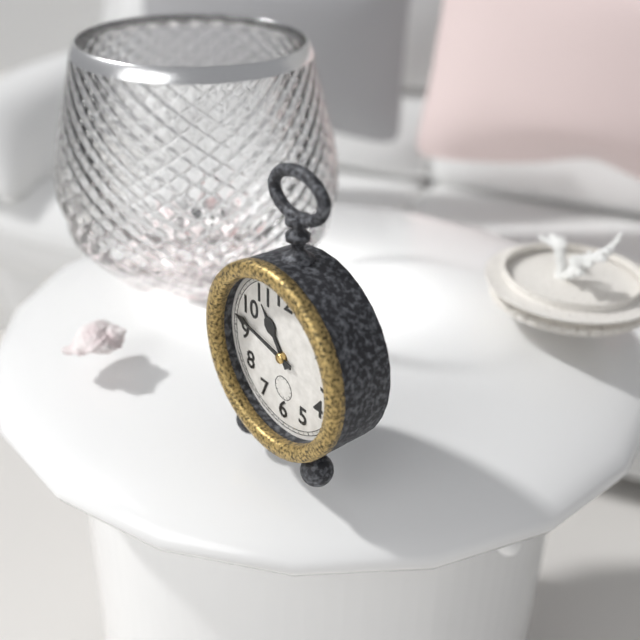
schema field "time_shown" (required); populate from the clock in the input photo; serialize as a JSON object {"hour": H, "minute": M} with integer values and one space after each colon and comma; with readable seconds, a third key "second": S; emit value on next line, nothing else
{"hour": 10, "minute": 47}
